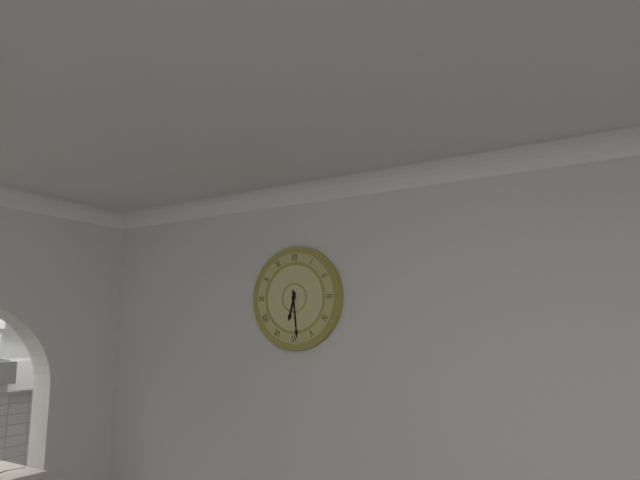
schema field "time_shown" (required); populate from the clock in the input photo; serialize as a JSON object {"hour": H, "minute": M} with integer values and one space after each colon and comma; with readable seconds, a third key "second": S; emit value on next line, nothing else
{"hour": 6, "minute": 29}
